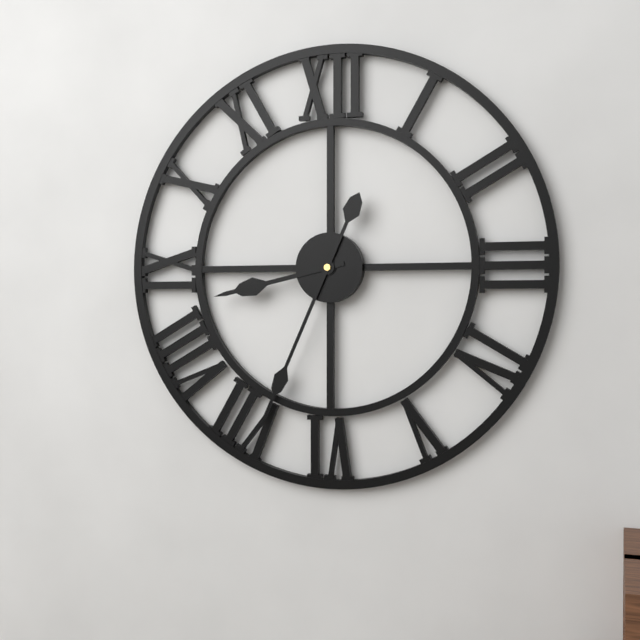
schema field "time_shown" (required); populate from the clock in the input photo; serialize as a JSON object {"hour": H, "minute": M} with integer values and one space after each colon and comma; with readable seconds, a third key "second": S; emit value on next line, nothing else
{"hour": 8, "minute": 34}
